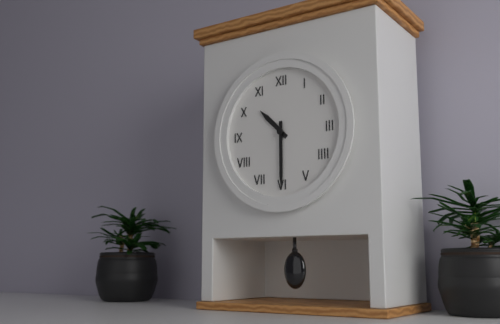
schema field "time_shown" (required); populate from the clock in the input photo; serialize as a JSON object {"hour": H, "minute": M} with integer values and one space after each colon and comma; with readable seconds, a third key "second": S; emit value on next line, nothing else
{"hour": 10, "minute": 30}
